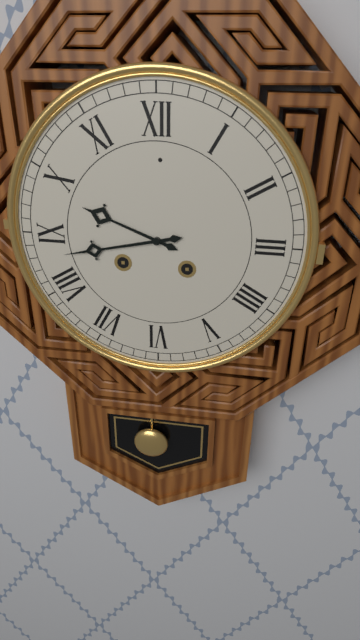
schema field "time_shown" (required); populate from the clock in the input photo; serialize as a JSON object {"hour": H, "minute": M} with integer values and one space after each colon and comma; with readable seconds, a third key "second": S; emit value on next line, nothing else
{"hour": 9, "minute": 43}
